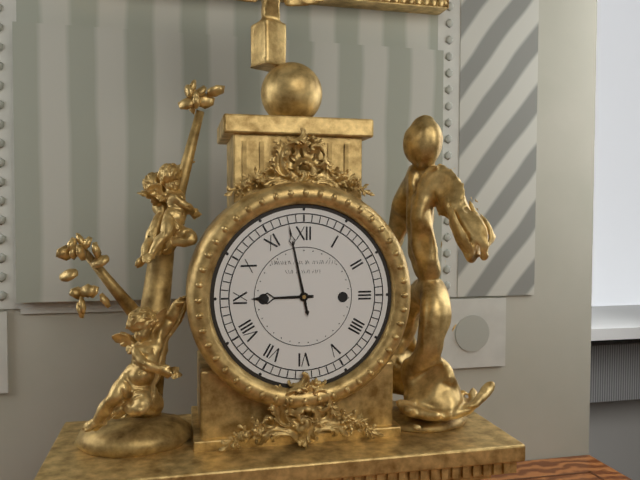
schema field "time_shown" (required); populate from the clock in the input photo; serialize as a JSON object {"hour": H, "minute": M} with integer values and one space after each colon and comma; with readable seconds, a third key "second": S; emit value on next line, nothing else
{"hour": 8, "minute": 58}
